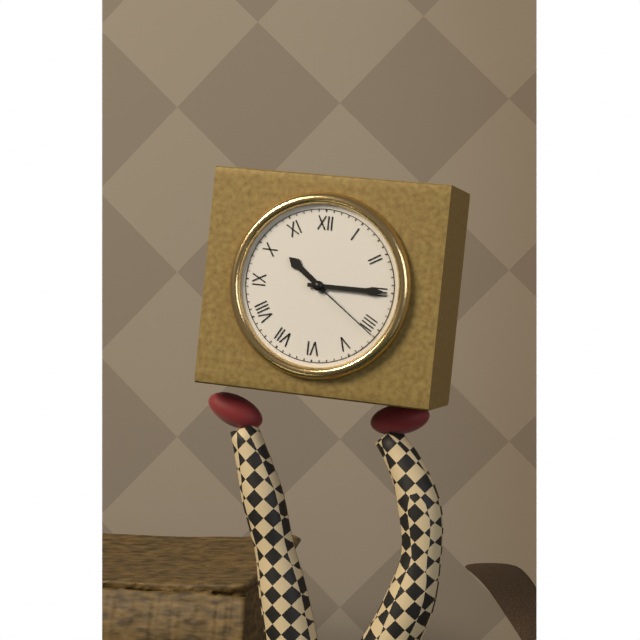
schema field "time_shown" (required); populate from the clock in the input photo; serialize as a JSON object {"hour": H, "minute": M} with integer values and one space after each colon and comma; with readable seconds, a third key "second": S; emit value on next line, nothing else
{"hour": 10, "minute": 15, "second": 21}
